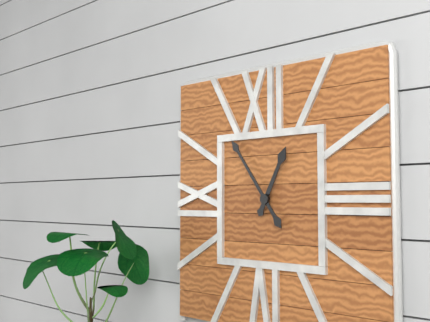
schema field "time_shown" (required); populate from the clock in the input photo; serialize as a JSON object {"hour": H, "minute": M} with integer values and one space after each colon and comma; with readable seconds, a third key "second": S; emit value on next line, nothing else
{"hour": 12, "minute": 54}
